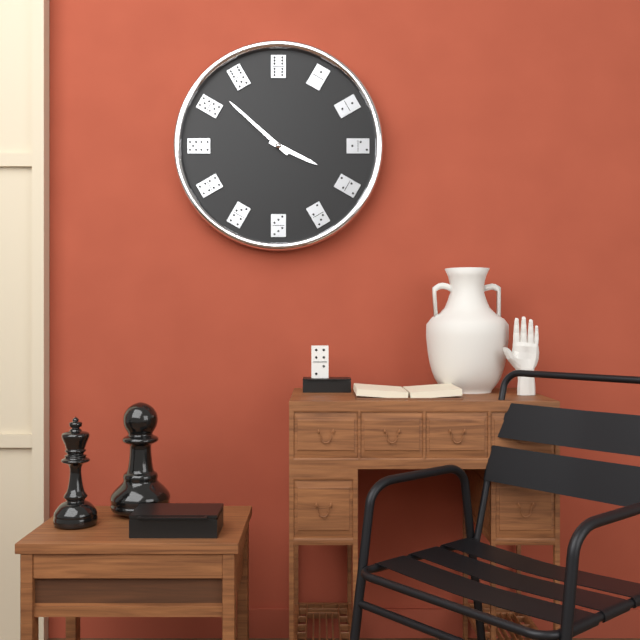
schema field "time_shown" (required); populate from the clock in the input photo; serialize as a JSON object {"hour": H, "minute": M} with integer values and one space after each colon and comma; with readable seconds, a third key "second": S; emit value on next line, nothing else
{"hour": 3, "minute": 52}
